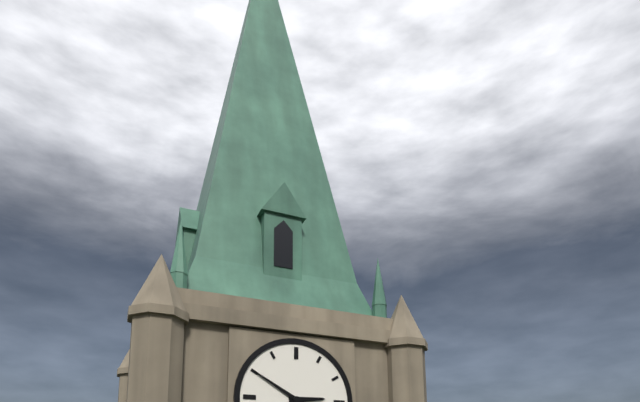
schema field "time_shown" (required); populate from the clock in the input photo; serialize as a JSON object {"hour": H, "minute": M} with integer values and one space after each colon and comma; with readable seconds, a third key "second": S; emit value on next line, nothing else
{"hour": 2, "minute": 50}
